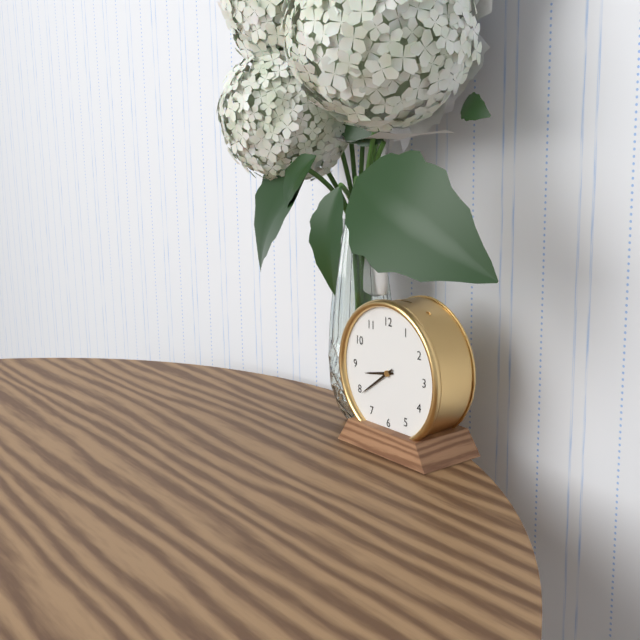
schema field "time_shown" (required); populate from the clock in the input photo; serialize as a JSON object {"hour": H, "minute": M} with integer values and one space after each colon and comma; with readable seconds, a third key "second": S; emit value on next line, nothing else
{"hour": 8, "minute": 39}
